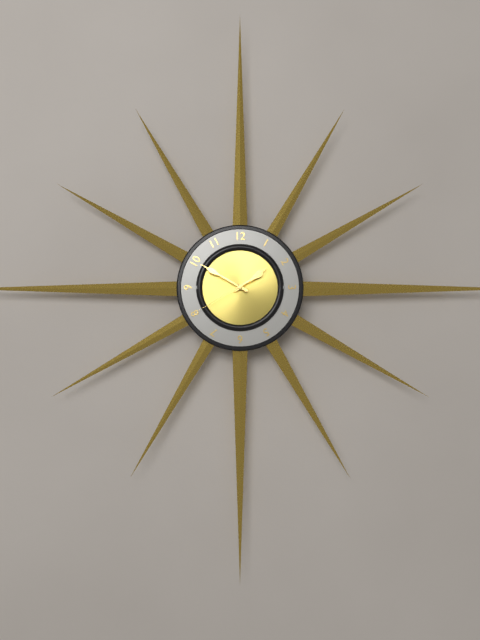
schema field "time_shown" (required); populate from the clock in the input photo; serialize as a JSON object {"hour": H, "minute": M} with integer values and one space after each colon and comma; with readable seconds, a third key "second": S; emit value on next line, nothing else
{"hour": 1, "minute": 50, "second": 40}
